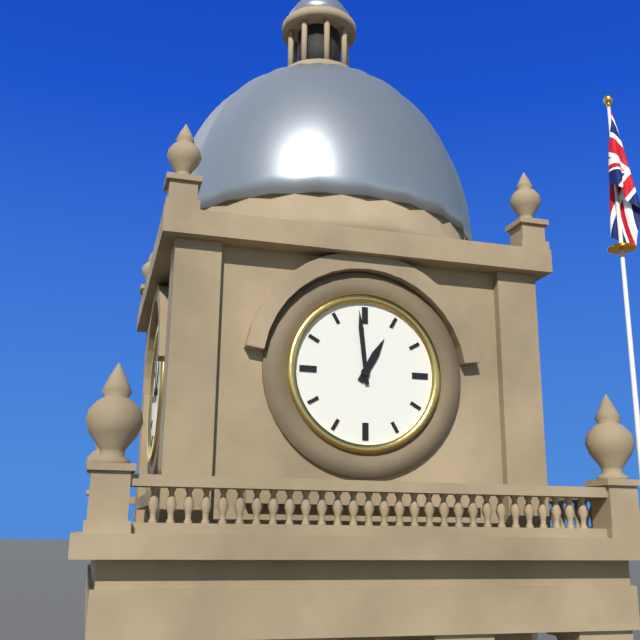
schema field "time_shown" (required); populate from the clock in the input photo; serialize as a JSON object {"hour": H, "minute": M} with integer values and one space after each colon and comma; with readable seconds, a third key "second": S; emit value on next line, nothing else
{"hour": 12, "minute": 59}
